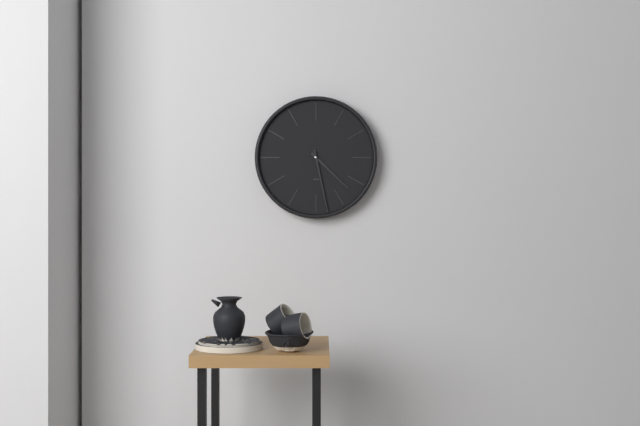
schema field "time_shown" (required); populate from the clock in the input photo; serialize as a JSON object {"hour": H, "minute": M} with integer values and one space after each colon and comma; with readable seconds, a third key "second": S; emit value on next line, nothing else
{"hour": 4, "minute": 28}
